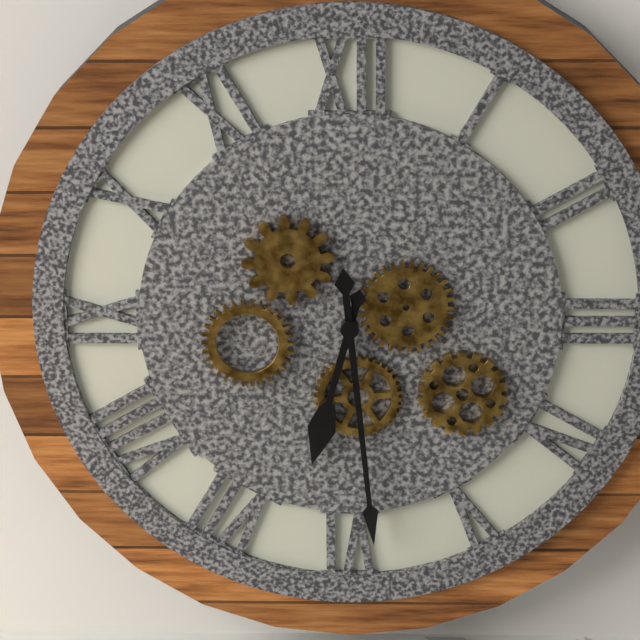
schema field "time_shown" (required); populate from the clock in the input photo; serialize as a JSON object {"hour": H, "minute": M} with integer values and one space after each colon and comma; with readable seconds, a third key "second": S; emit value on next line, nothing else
{"hour": 6, "minute": 29}
